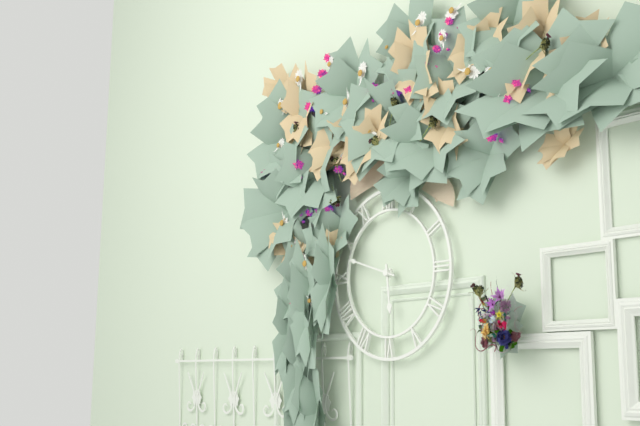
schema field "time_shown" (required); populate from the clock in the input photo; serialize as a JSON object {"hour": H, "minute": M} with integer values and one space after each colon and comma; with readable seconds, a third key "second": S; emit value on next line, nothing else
{"hour": 5, "minute": 48}
